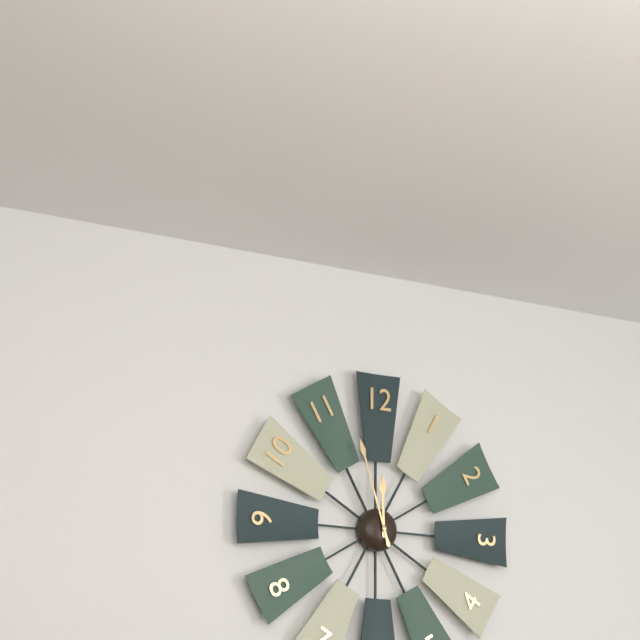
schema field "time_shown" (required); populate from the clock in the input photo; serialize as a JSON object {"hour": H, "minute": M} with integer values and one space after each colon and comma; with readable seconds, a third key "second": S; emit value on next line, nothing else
{"hour": 11, "minute": 57}
